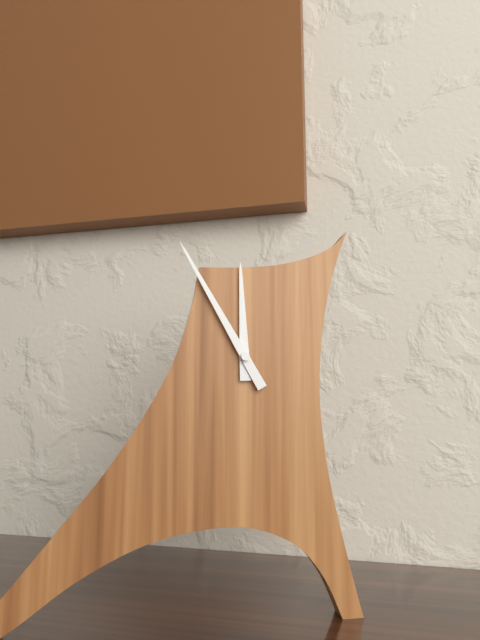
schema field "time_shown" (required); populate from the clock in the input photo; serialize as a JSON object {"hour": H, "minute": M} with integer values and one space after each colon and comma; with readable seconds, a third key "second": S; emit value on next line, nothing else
{"hour": 11, "minute": 55}
